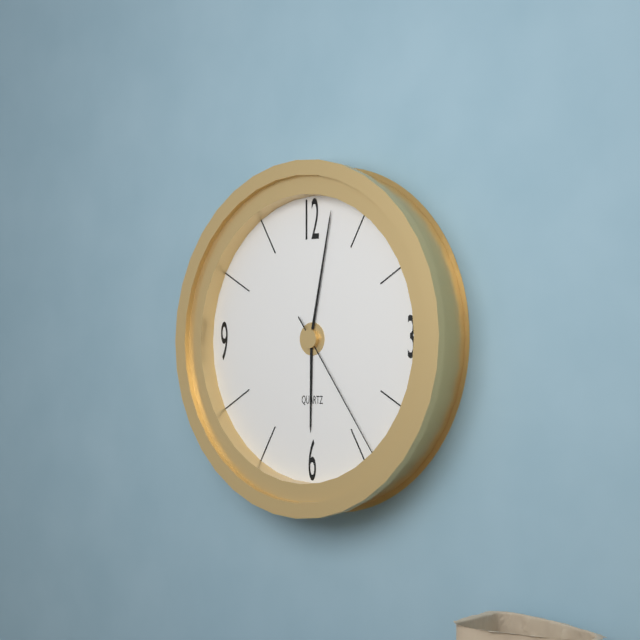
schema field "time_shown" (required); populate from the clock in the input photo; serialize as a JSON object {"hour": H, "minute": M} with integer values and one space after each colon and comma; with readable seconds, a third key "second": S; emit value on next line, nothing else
{"hour": 6, "minute": 2, "second": 24}
